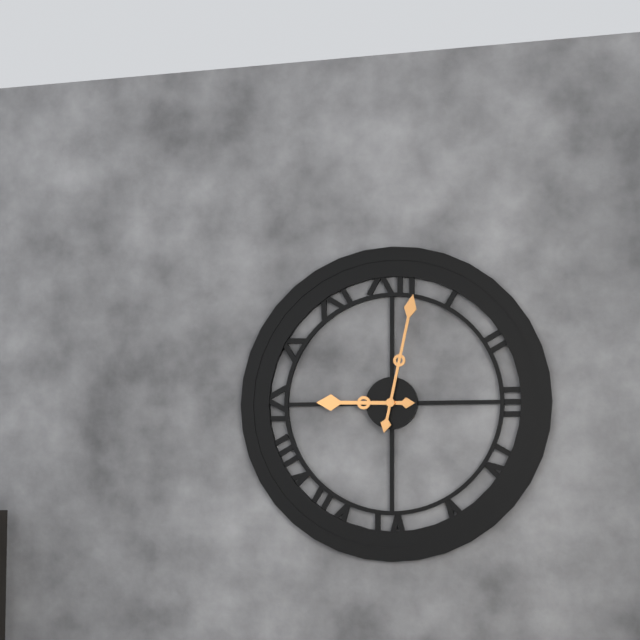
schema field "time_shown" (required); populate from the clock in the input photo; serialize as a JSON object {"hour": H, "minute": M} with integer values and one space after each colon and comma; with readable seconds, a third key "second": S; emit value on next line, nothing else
{"hour": 9, "minute": 2}
